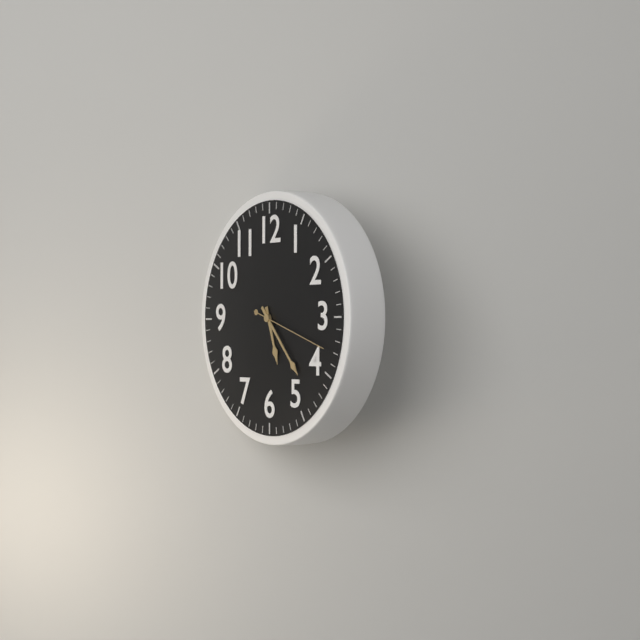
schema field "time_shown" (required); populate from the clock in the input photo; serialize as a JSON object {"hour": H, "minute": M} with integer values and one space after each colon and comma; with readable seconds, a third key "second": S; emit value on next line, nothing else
{"hour": 5, "minute": 23, "second": 18}
